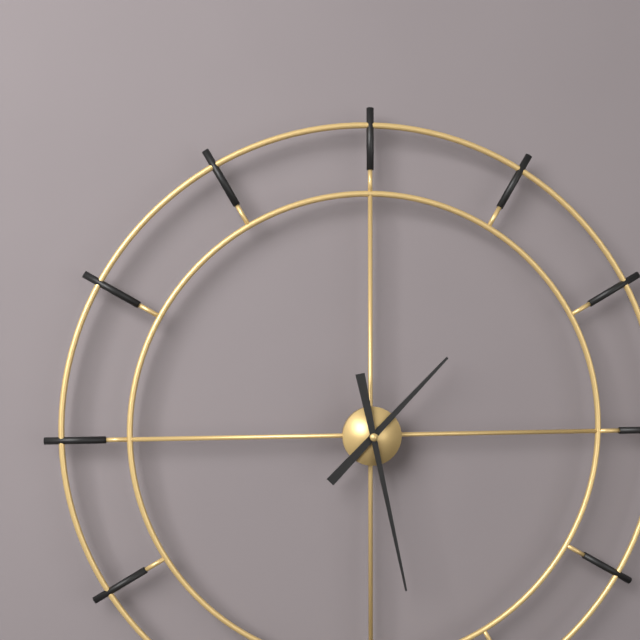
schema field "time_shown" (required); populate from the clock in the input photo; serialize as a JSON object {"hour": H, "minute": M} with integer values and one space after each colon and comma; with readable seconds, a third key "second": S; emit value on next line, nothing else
{"hour": 1, "minute": 28}
